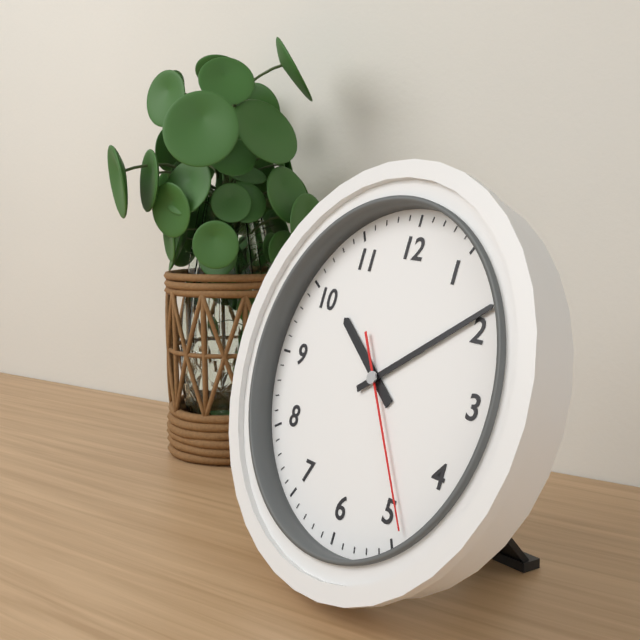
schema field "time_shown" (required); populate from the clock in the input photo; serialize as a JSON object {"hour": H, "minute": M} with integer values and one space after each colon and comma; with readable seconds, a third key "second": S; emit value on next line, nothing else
{"hour": 10, "minute": 9, "second": 24}
